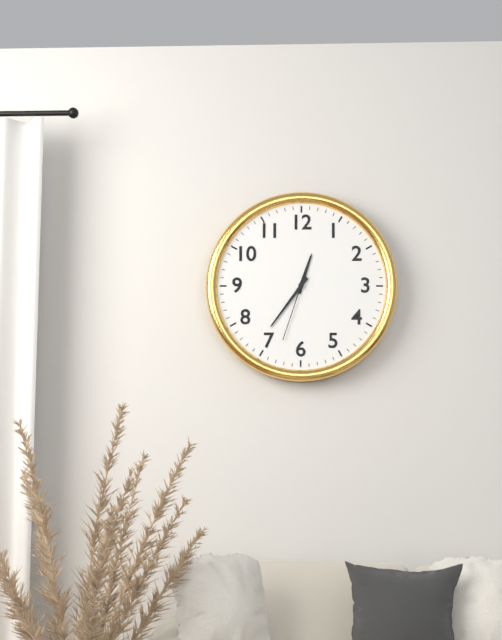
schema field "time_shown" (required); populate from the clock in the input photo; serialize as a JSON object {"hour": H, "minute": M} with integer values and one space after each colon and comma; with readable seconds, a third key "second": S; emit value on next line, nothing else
{"hour": 12, "minute": 36, "second": 33}
